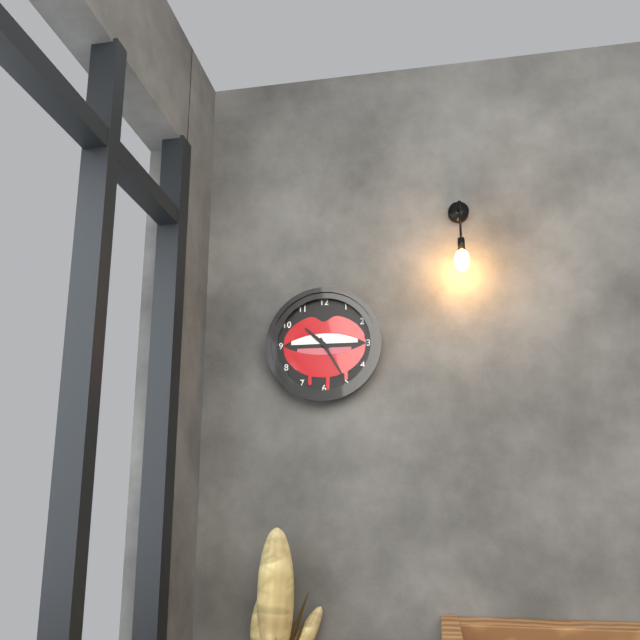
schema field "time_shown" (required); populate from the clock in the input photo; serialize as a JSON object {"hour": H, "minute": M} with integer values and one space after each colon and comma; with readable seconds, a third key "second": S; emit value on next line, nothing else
{"hour": 10, "minute": 25}
